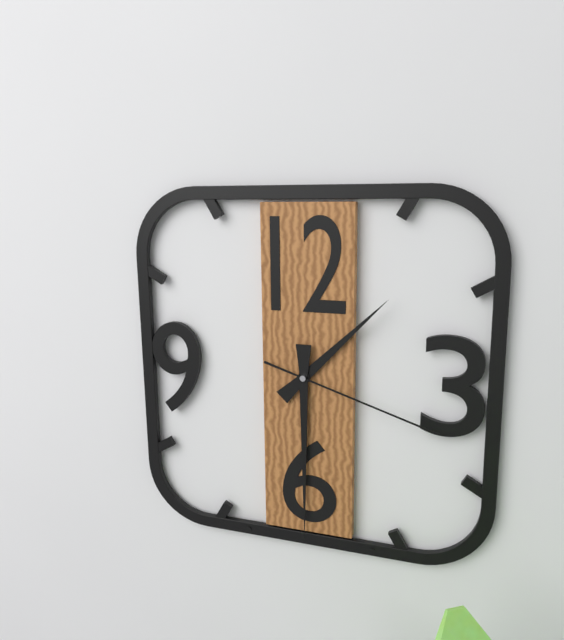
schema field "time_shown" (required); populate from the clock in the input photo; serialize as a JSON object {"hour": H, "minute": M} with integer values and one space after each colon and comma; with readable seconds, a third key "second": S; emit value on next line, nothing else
{"hour": 1, "minute": 30, "second": 18}
